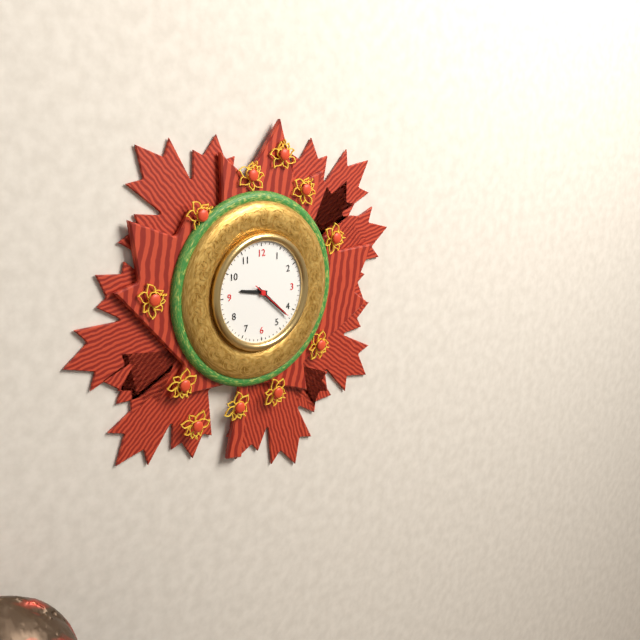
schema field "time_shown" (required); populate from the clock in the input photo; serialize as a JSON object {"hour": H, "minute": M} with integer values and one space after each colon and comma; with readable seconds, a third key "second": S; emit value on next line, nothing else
{"hour": 9, "minute": 22}
